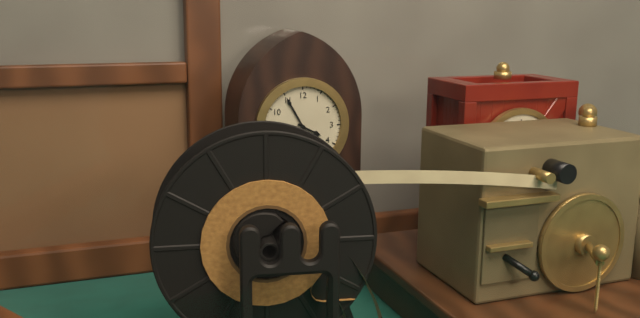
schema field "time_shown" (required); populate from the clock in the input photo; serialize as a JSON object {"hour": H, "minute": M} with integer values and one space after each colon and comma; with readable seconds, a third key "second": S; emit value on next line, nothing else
{"hour": 3, "minute": 55}
